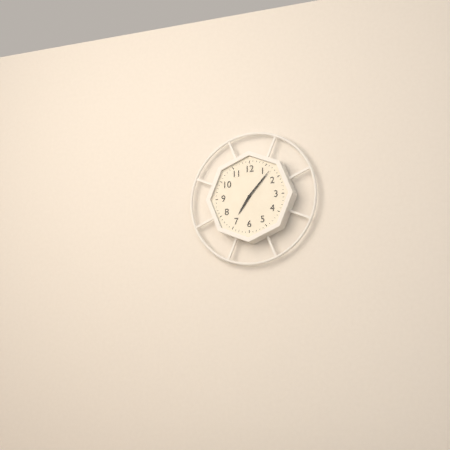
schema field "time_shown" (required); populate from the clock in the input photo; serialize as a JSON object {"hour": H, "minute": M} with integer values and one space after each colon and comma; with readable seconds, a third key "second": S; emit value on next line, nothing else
{"hour": 7, "minute": 7}
